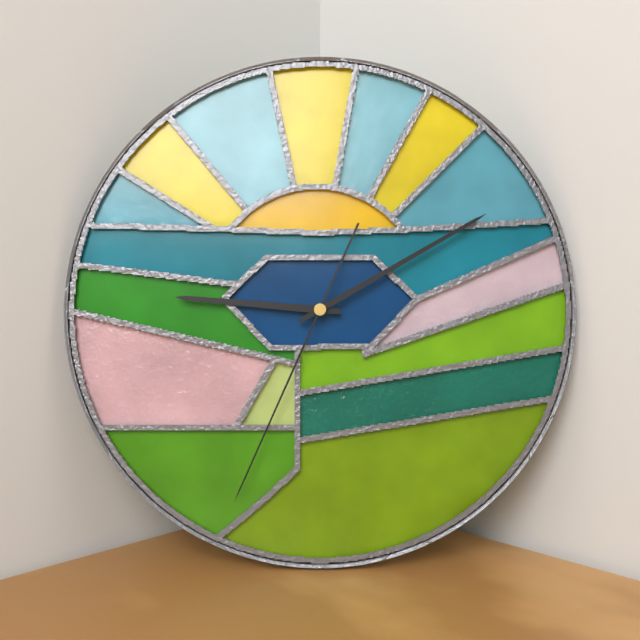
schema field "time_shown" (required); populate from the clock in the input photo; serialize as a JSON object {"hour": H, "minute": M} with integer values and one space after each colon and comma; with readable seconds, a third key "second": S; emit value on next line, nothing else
{"hour": 9, "minute": 10, "second": 34}
